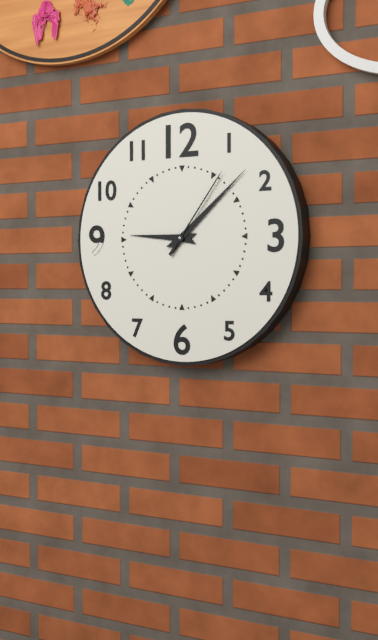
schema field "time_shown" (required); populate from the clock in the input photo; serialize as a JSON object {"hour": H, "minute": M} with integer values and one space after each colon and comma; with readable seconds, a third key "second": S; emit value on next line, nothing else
{"hour": 9, "minute": 8, "second": 6}
